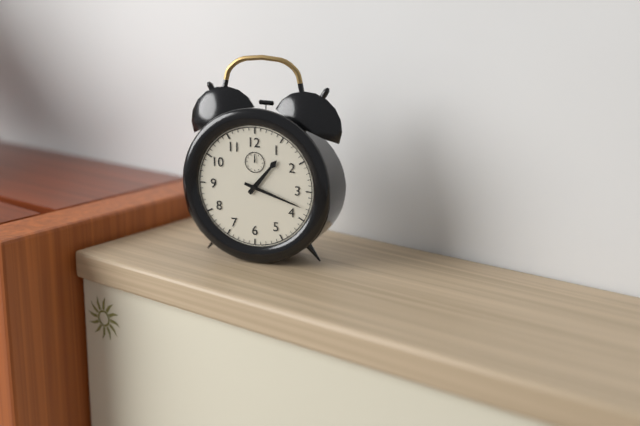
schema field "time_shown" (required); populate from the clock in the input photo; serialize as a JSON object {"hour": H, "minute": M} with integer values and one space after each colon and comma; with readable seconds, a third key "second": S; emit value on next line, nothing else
{"hour": 1, "minute": 18}
